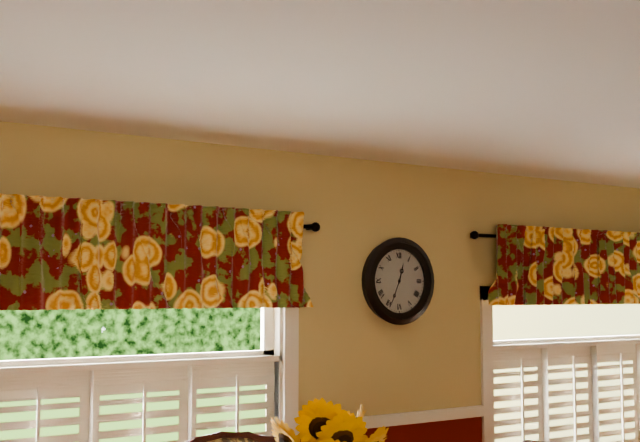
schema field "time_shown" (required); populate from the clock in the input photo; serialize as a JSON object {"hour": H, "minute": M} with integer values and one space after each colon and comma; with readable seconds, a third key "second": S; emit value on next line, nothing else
{"hour": 12, "minute": 34}
